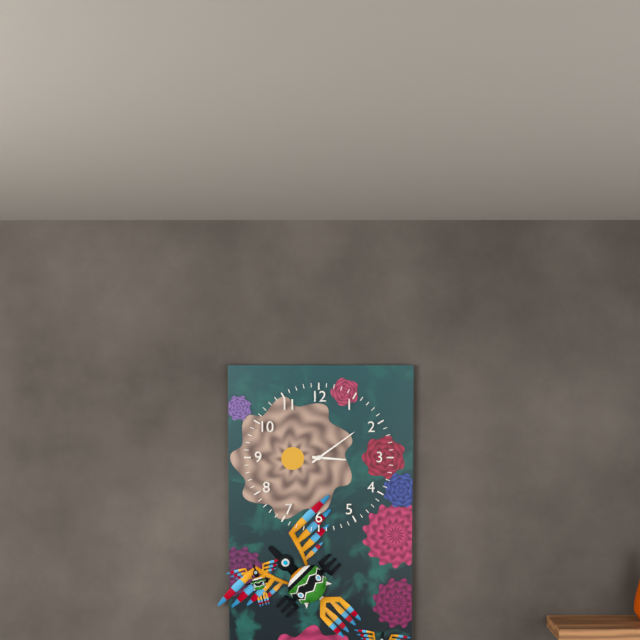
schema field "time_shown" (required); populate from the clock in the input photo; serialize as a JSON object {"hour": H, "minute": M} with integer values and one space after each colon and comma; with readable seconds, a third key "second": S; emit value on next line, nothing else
{"hour": 3, "minute": 9}
